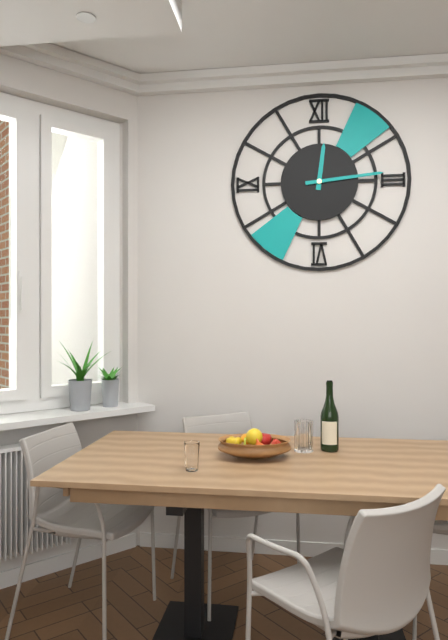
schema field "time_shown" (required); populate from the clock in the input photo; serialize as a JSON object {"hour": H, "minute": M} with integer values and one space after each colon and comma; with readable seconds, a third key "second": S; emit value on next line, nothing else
{"hour": 12, "minute": 14}
